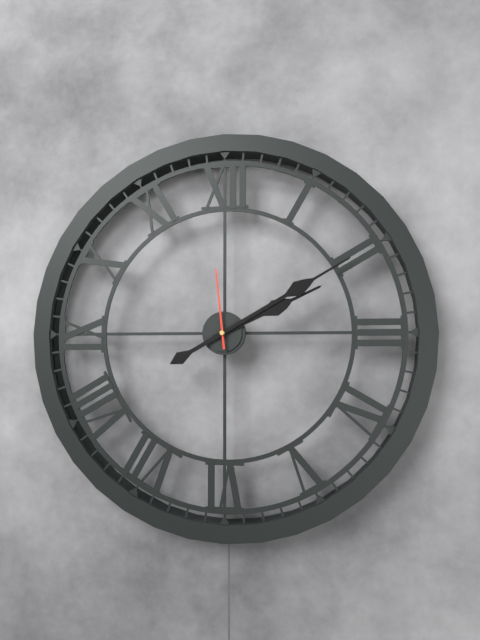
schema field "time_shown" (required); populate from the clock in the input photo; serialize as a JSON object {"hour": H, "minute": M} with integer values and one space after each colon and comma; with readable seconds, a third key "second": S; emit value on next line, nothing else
{"hour": 2, "minute": 10, "second": 59}
